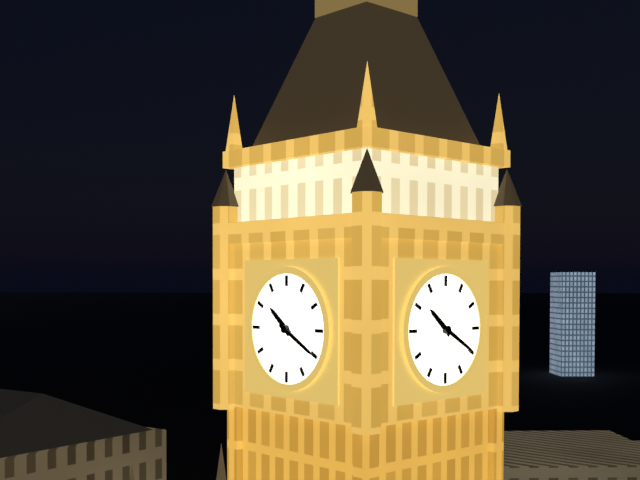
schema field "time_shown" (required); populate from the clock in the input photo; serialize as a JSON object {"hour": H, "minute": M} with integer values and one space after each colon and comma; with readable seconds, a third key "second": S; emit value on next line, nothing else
{"hour": 10, "minute": 20}
